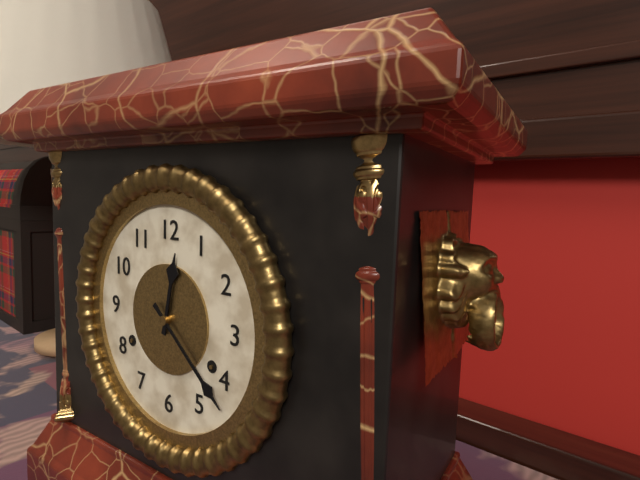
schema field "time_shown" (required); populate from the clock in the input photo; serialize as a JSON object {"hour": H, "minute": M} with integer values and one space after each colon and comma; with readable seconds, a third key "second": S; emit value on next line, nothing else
{"hour": 12, "minute": 22}
